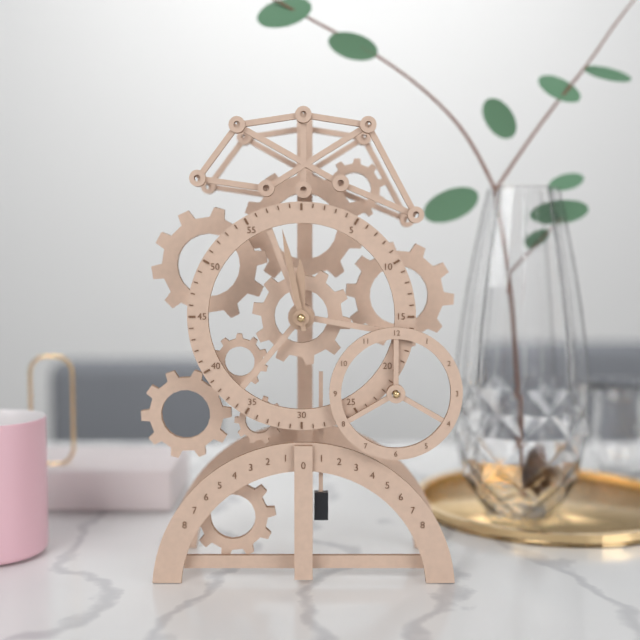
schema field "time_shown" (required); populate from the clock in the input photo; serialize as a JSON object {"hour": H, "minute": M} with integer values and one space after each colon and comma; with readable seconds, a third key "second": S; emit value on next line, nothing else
{"hour": 11, "minute": 58}
